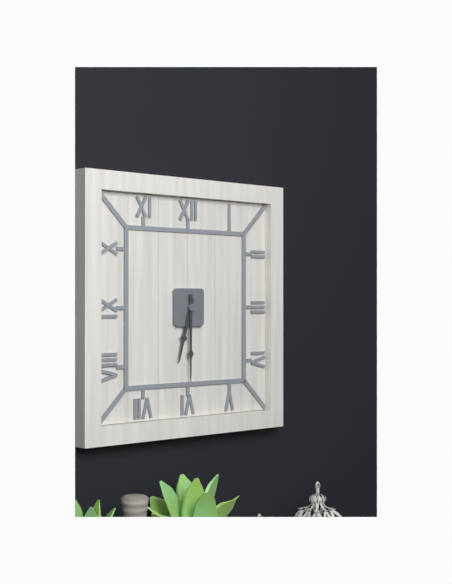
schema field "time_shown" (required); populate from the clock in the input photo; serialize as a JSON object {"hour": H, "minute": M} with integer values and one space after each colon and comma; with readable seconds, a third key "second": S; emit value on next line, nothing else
{"hour": 6, "minute": 30}
